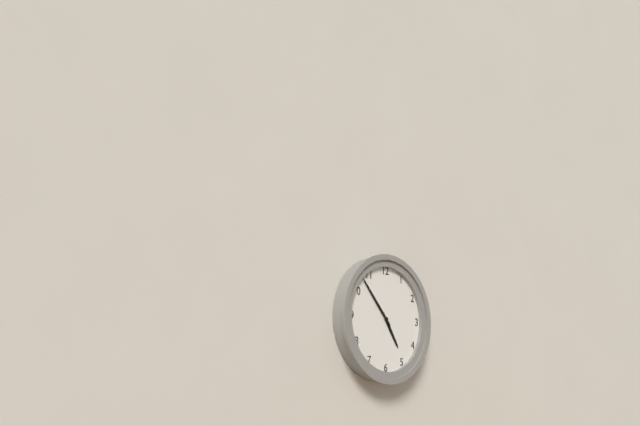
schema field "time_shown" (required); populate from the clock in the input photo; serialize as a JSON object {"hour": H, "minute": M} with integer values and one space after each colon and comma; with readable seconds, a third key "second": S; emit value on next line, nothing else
{"hour": 4, "minute": 53}
